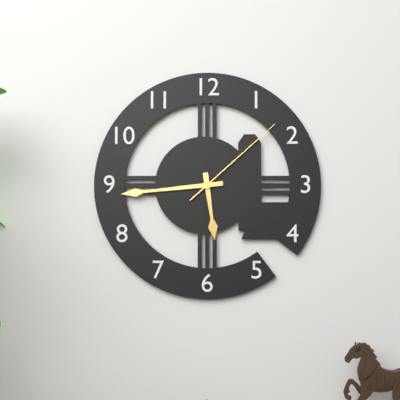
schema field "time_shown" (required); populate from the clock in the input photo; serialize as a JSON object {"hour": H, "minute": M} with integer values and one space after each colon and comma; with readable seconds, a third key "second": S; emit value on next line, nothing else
{"hour": 5, "minute": 44, "second": 8}
